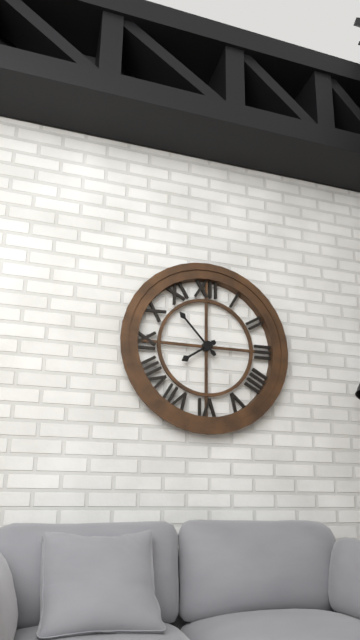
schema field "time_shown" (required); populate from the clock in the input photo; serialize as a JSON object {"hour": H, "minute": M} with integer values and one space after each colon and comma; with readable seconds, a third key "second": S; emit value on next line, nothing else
{"hour": 7, "minute": 53}
